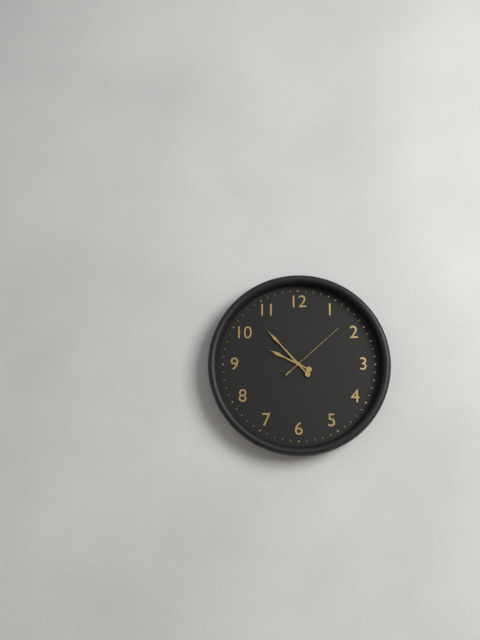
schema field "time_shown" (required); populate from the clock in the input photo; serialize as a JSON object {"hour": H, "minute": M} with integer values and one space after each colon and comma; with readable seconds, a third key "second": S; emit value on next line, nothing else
{"hour": 9, "minute": 53, "second": 8}
